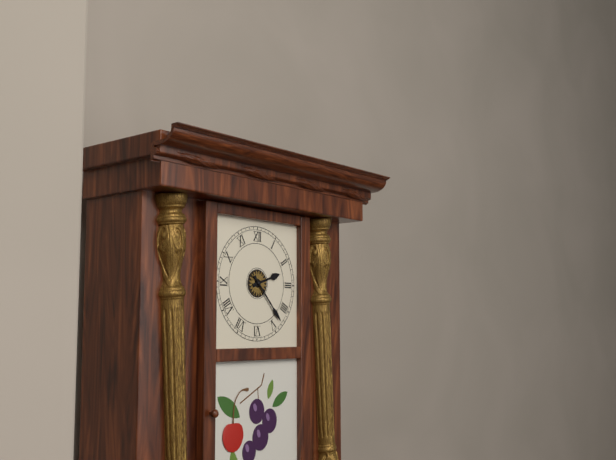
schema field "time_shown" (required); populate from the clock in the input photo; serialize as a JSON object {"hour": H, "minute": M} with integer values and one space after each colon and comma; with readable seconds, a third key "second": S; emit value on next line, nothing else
{"hour": 2, "minute": 23}
